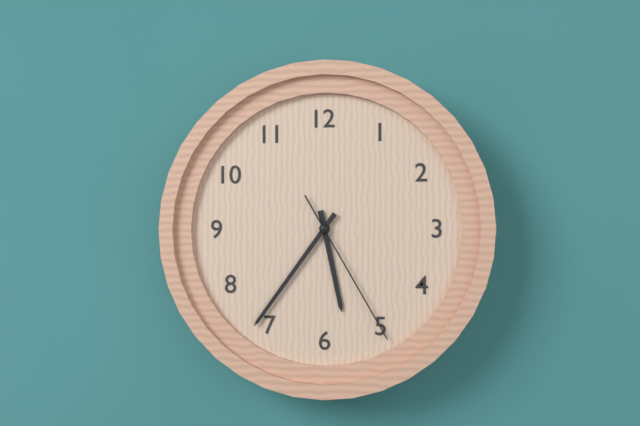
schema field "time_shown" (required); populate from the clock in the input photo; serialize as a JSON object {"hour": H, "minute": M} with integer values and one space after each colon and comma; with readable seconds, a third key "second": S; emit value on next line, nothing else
{"hour": 5, "minute": 36, "second": 25}
